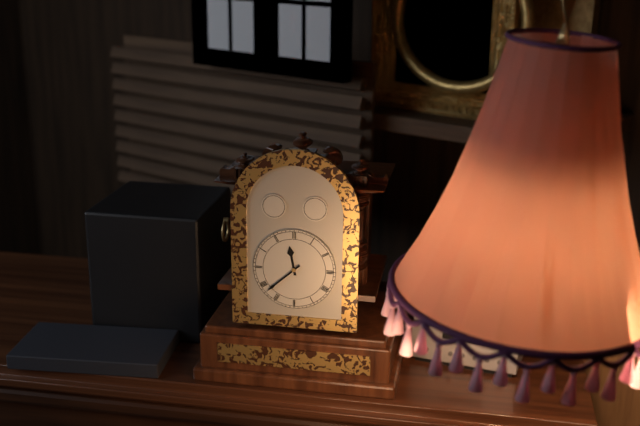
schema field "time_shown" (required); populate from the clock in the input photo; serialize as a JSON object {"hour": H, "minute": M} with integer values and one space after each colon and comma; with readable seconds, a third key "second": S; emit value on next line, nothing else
{"hour": 11, "minute": 38}
